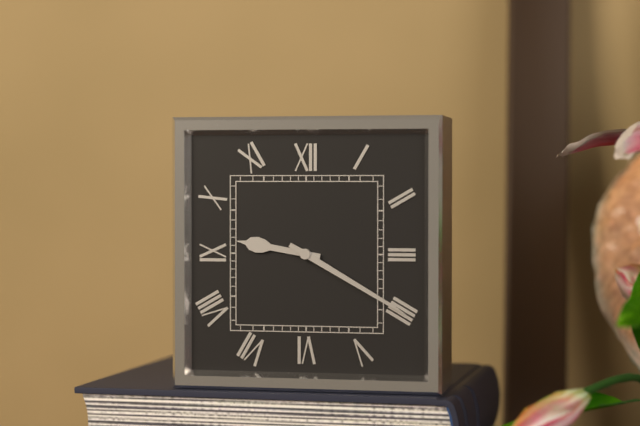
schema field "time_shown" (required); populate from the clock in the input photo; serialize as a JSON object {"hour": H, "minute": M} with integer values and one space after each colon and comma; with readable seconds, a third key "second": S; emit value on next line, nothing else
{"hour": 9, "minute": 20}
